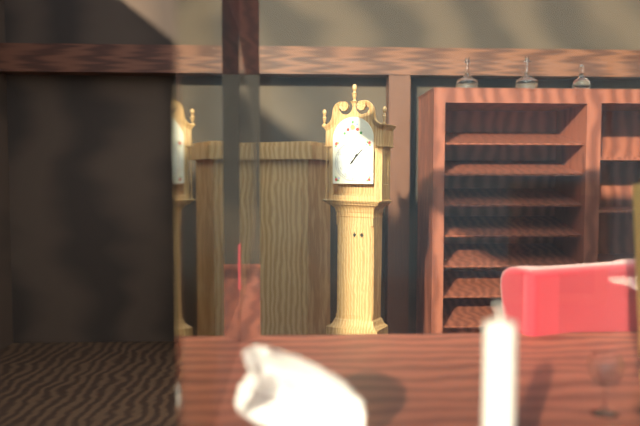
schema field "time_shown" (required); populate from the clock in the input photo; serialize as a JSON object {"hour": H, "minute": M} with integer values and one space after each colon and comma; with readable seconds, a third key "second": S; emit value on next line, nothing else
{"hour": 1, "minute": 7}
